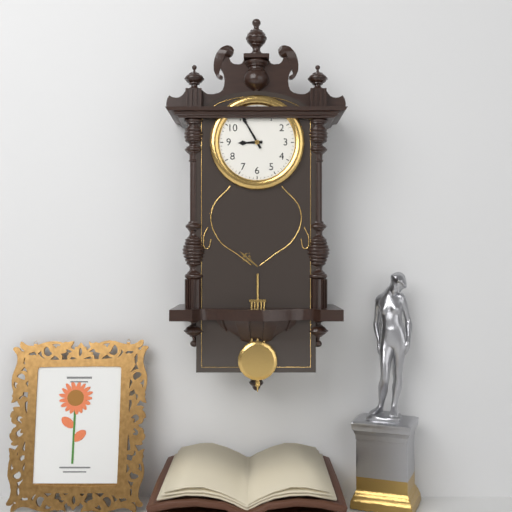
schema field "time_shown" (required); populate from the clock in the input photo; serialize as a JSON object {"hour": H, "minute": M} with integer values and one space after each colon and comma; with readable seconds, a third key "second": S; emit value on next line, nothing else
{"hour": 8, "minute": 55}
